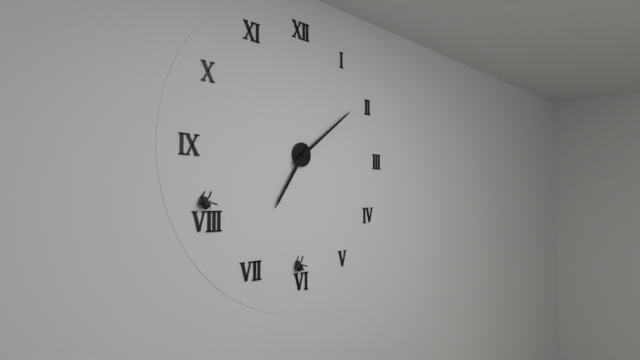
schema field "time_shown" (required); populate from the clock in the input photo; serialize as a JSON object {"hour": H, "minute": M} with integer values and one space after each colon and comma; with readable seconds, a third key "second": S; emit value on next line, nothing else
{"hour": 7, "minute": 9}
